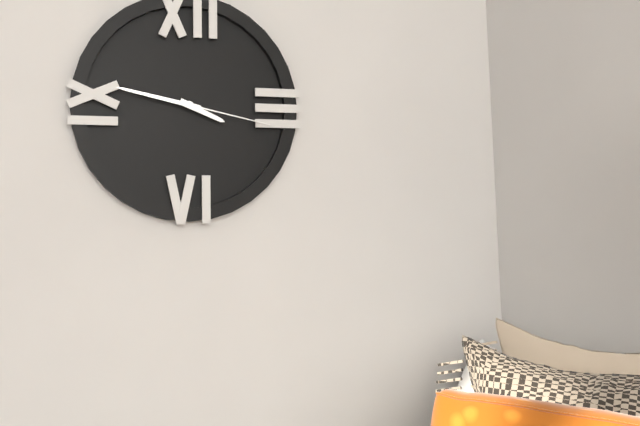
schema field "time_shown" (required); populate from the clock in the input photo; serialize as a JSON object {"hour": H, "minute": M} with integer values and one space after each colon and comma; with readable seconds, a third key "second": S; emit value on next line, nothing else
{"hour": 3, "minute": 47, "second": 17}
